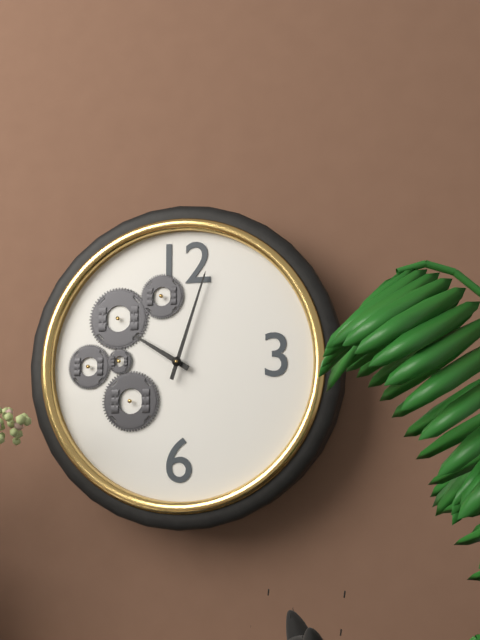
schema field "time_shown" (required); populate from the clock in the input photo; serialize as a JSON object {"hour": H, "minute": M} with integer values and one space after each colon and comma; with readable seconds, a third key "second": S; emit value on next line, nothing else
{"hour": 10, "minute": 3}
